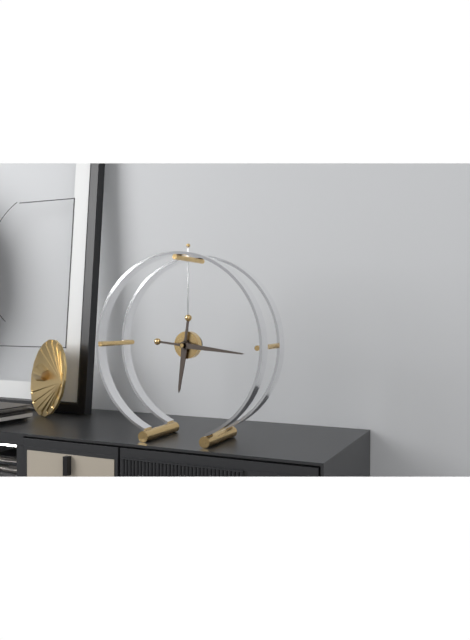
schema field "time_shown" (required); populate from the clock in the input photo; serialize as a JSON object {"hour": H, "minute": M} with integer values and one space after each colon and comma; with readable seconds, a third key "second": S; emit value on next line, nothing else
{"hour": 6, "minute": 16}
